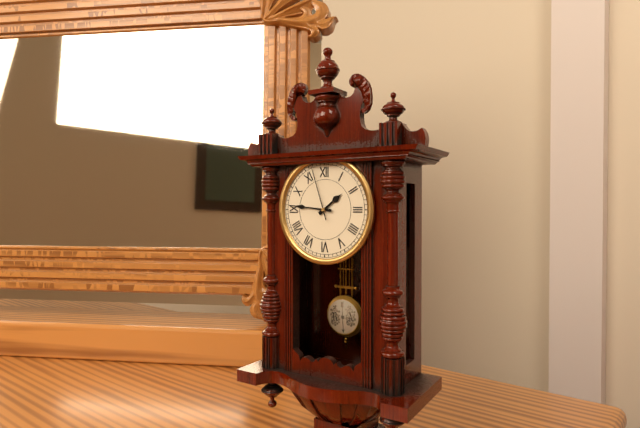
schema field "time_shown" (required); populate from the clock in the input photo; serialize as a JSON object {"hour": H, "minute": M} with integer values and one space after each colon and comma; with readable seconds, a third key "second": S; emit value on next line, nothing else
{"hour": 1, "minute": 46, "second": 57}
